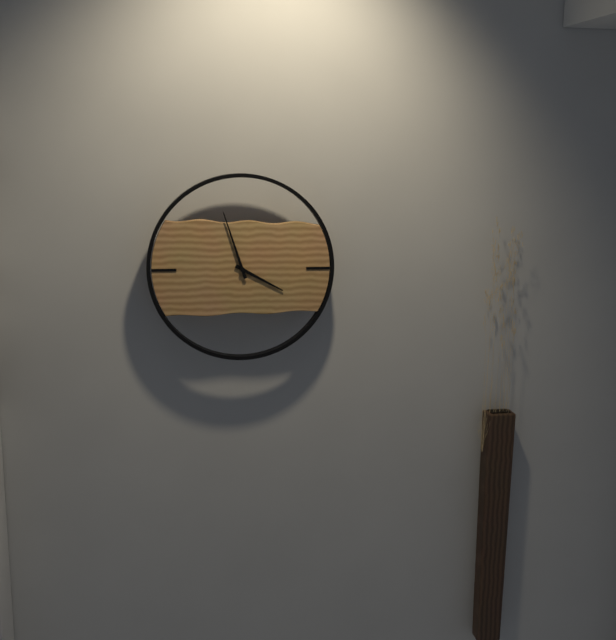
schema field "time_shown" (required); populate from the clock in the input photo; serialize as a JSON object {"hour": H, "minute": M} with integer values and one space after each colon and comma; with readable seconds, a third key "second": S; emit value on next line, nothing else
{"hour": 3, "minute": 57}
